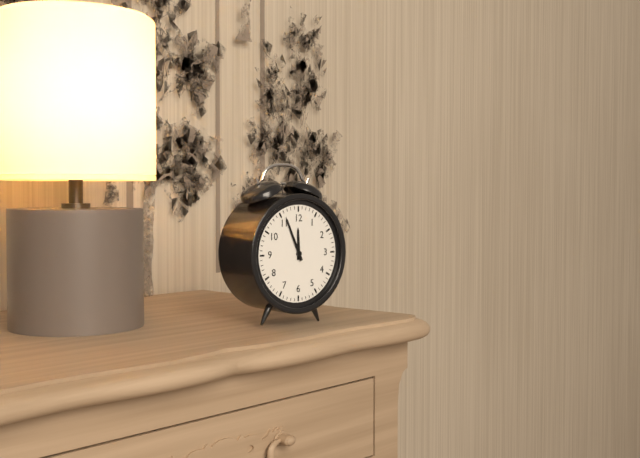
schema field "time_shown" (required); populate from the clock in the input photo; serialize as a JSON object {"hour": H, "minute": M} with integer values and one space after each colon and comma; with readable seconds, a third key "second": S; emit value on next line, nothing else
{"hour": 11, "minute": 56}
